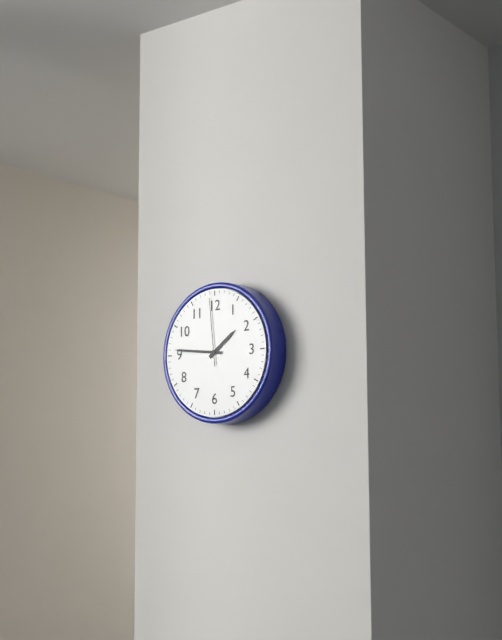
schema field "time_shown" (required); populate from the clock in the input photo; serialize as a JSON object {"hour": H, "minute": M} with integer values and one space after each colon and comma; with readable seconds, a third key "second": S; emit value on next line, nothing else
{"hour": 1, "minute": 46, "second": 59}
